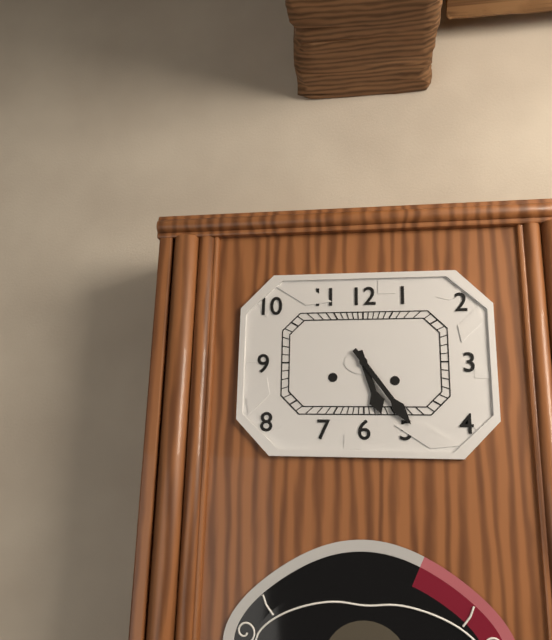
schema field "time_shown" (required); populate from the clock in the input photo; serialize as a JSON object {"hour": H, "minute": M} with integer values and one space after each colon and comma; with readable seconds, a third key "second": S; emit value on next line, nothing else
{"hour": 5, "minute": 24}
